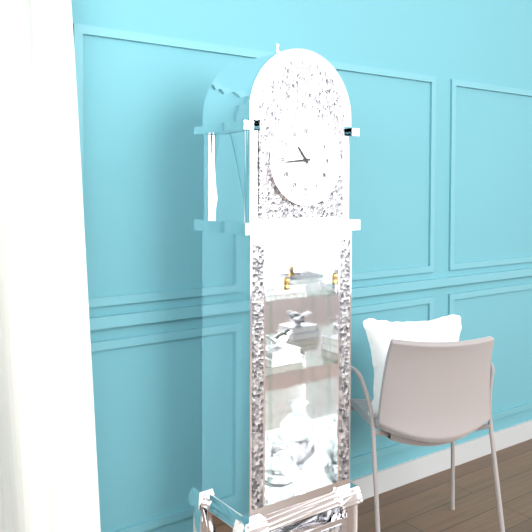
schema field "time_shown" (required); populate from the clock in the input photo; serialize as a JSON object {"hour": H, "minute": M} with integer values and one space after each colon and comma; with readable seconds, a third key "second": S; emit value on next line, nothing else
{"hour": 10, "minute": 44}
